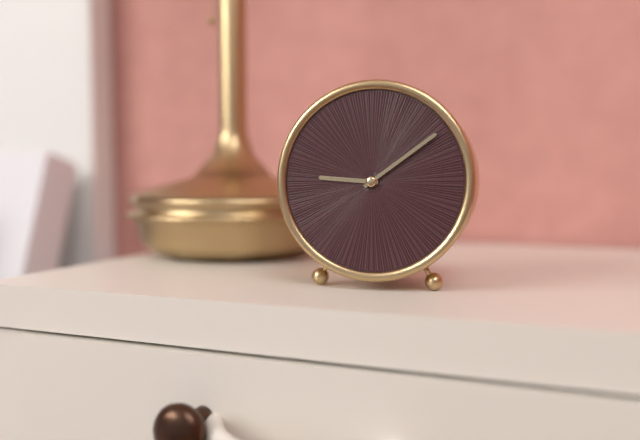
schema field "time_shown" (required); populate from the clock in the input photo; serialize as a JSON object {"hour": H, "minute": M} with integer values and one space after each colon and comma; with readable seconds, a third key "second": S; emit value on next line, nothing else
{"hour": 9, "minute": 9}
